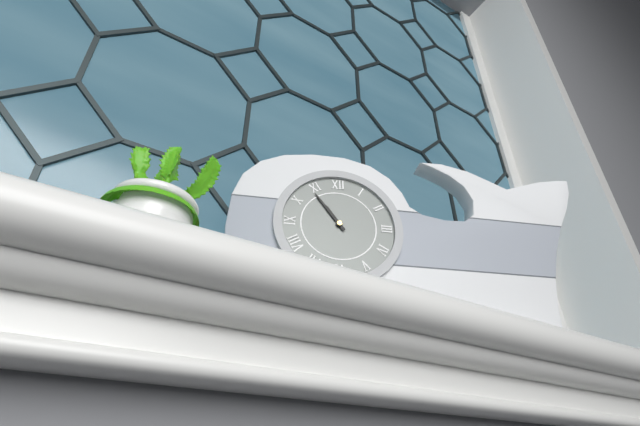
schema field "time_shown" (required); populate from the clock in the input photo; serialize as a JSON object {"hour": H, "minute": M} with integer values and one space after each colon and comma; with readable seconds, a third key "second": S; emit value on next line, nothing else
{"hour": 10, "minute": 54}
